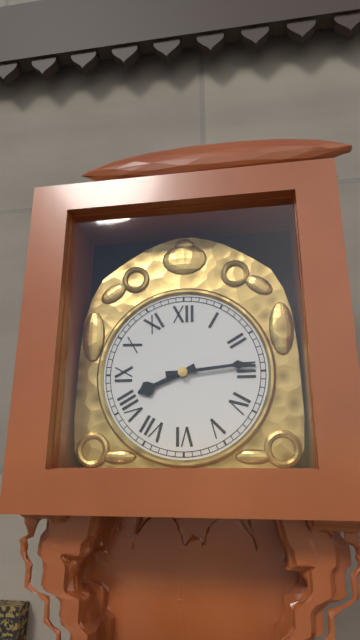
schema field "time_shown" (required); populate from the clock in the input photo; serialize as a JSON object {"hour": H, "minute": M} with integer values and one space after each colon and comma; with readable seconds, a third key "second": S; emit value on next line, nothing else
{"hour": 8, "minute": 14}
